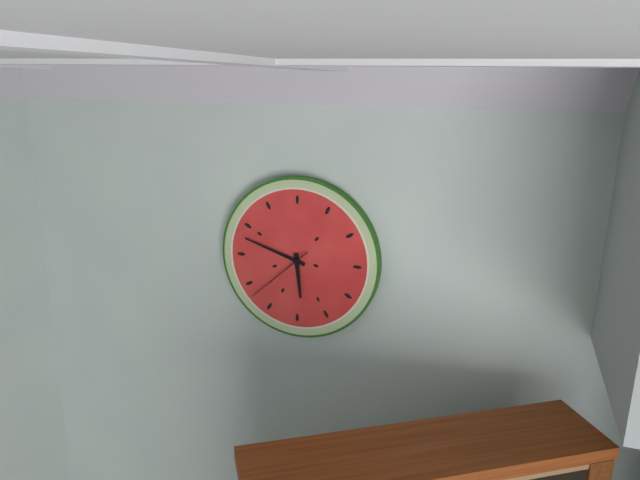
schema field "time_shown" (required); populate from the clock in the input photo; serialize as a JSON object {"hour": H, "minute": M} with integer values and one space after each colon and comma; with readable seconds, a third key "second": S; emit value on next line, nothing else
{"hour": 5, "minute": 48, "second": 38}
